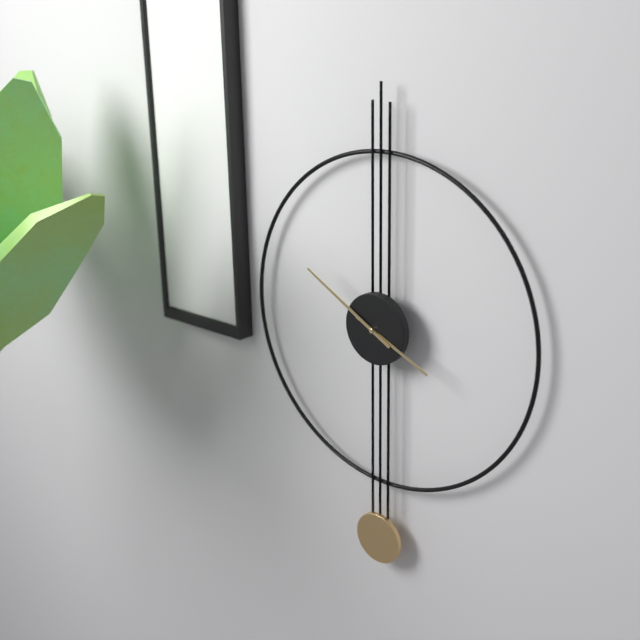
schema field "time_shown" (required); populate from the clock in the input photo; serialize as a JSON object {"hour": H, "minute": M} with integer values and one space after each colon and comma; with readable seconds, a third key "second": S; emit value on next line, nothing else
{"hour": 3, "minute": 50}
